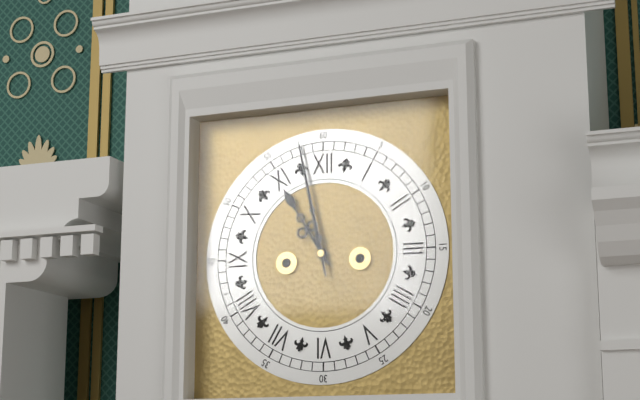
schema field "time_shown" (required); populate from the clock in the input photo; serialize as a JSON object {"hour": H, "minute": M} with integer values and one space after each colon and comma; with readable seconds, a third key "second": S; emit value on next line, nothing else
{"hour": 10, "minute": 58}
